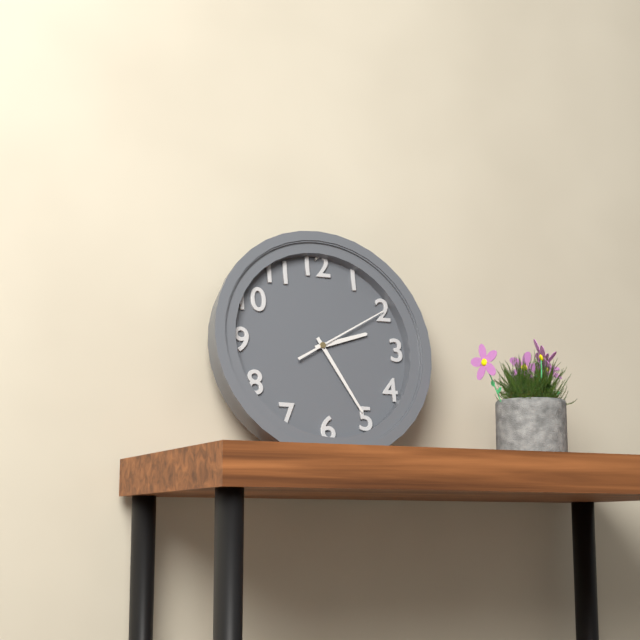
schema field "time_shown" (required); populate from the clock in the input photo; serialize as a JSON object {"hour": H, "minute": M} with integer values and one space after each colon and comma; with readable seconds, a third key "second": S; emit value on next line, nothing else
{"hour": 2, "minute": 25, "second": 10}
